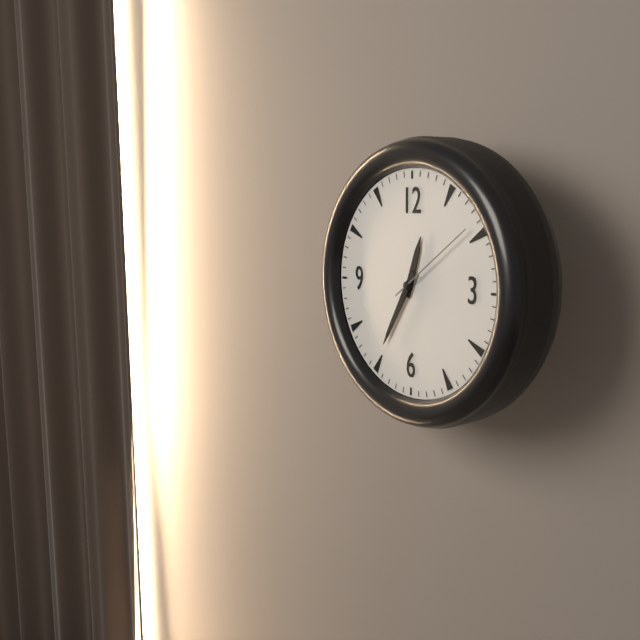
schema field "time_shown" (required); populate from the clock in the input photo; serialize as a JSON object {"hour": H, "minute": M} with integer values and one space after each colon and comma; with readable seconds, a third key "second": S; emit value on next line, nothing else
{"hour": 12, "minute": 35, "second": 9}
